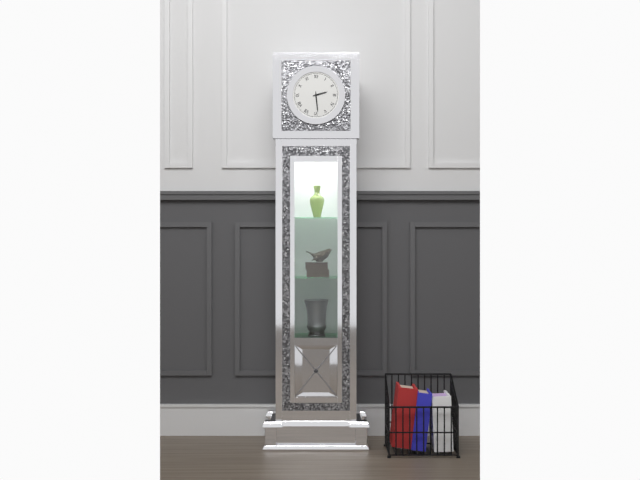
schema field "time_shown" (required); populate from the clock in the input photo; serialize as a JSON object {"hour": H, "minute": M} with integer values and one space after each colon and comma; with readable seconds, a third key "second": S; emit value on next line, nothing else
{"hour": 2, "minute": 29}
